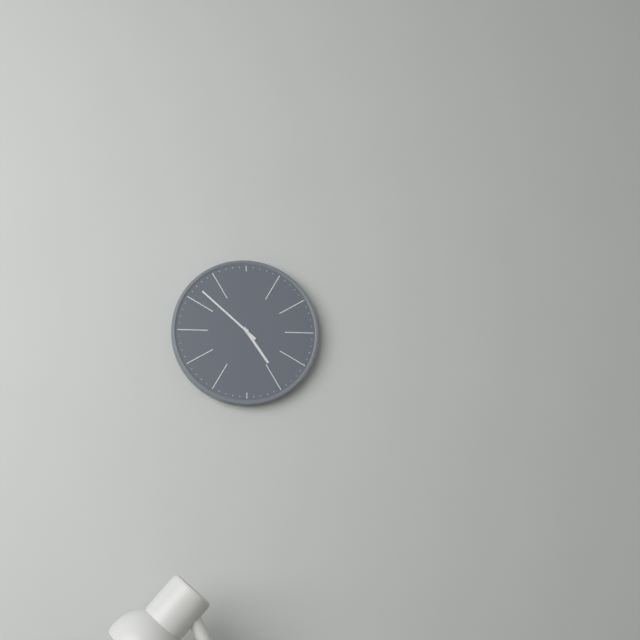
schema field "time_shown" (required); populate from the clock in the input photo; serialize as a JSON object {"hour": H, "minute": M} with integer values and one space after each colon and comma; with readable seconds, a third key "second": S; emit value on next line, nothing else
{"hour": 4, "minute": 52}
